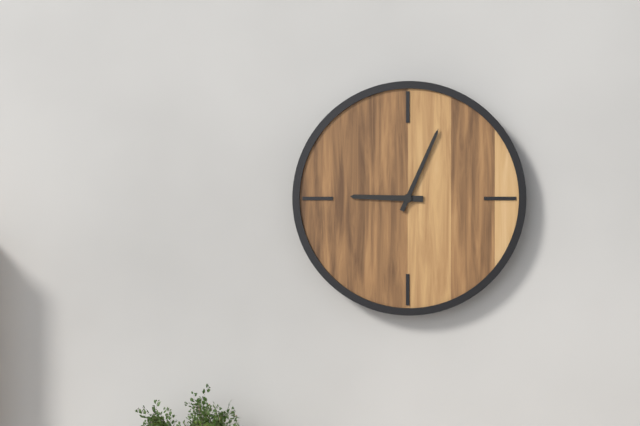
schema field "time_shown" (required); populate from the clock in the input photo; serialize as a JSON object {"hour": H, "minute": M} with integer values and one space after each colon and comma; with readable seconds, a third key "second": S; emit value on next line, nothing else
{"hour": 9, "minute": 4}
